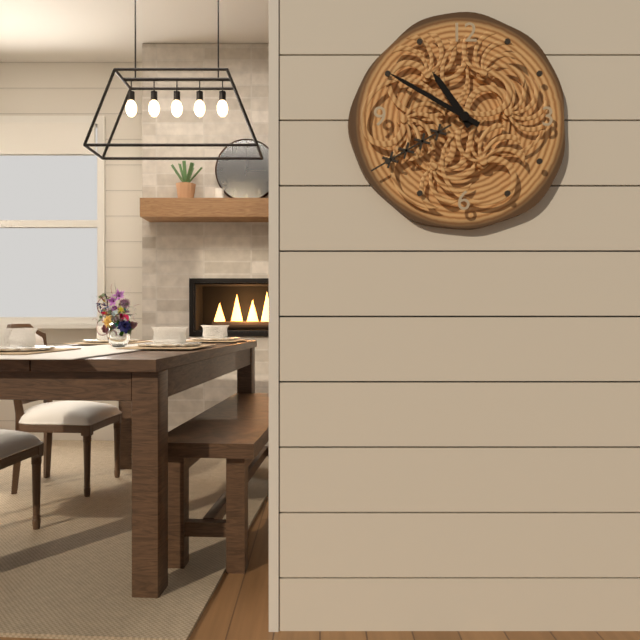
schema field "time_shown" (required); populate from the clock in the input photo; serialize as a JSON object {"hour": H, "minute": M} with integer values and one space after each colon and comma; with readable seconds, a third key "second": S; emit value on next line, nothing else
{"hour": 10, "minute": 50}
